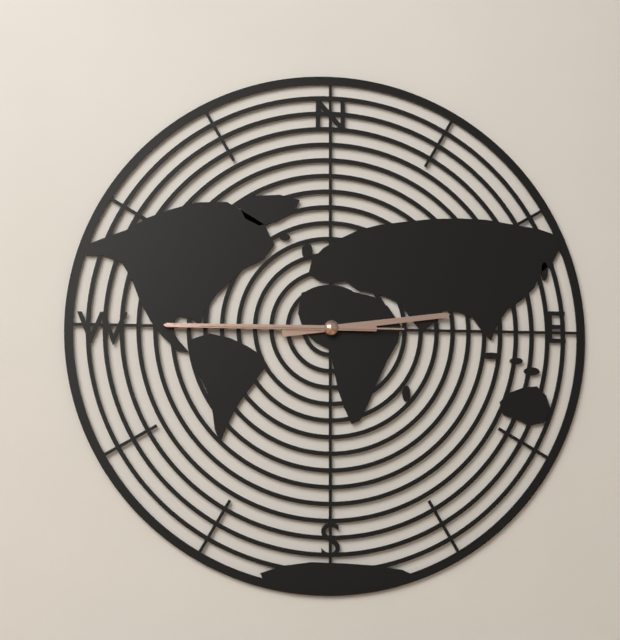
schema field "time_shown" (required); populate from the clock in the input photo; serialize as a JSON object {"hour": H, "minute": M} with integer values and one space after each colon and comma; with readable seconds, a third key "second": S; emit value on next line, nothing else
{"hour": 2, "minute": 45, "second": 45}
